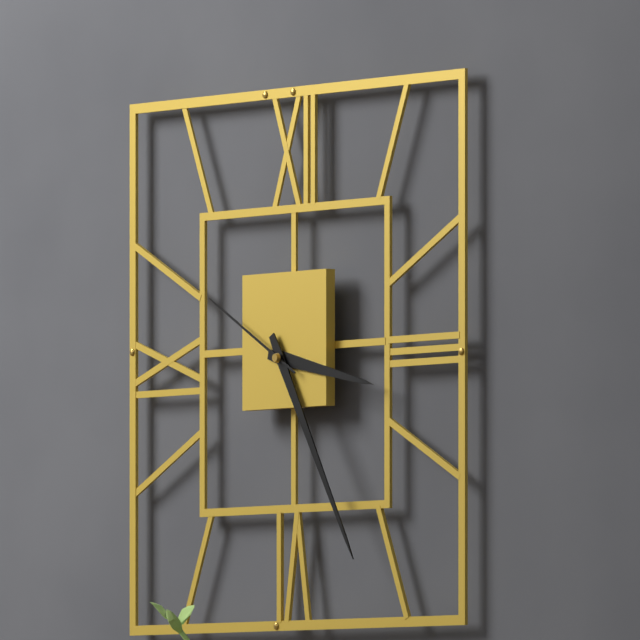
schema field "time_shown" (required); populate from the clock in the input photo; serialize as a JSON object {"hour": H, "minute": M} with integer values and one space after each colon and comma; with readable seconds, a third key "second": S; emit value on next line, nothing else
{"hour": 3, "minute": 25, "second": 50}
